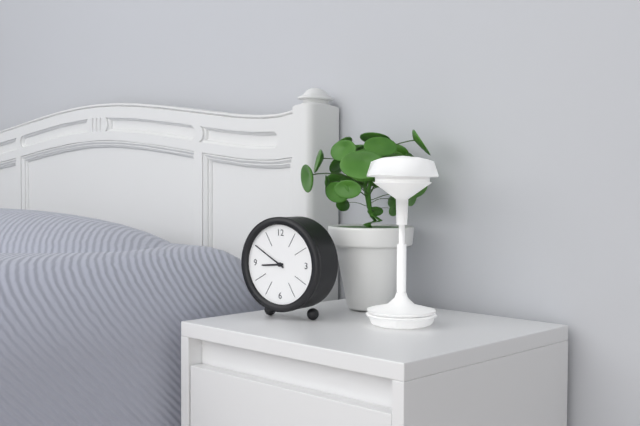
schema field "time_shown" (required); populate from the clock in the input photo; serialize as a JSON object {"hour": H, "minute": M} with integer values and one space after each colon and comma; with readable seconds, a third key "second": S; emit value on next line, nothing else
{"hour": 8, "minute": 50}
